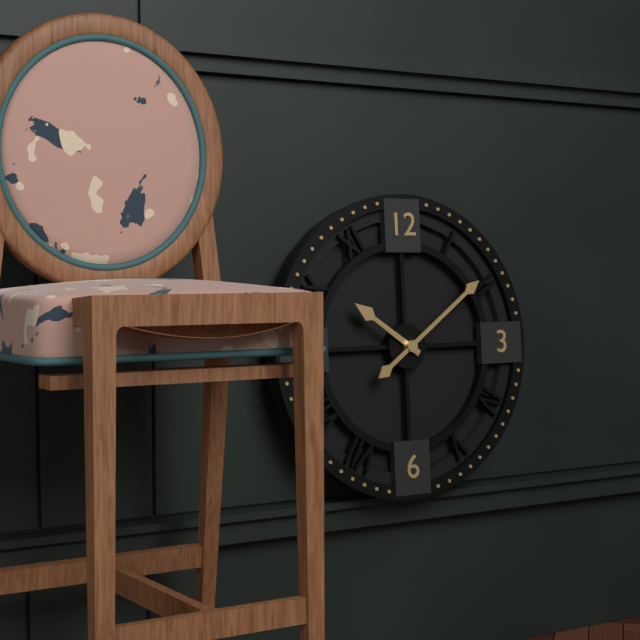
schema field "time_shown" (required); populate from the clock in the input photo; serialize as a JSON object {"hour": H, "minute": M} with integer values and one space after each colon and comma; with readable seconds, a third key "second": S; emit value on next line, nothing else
{"hour": 10, "minute": 9}
